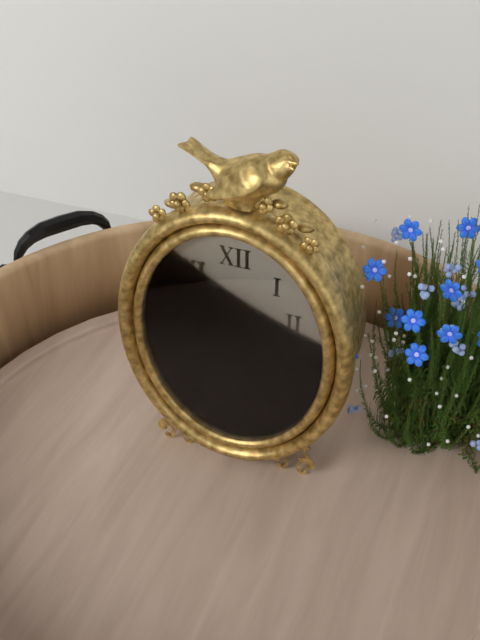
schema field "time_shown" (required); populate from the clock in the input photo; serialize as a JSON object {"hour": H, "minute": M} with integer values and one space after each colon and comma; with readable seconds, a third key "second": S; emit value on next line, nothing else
{"hour": 7, "minute": 14, "second": 24}
